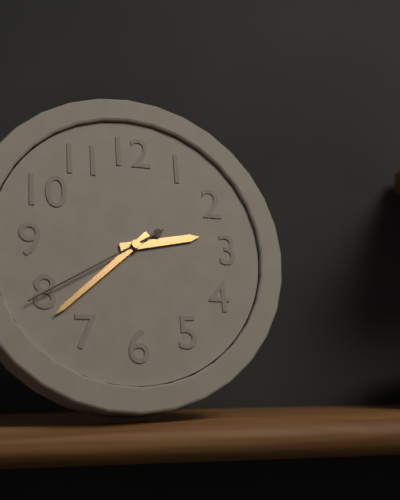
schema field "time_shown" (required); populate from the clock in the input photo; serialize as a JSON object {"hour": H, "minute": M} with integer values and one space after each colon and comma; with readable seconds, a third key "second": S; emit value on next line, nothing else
{"hour": 2, "minute": 38, "second": 40}
